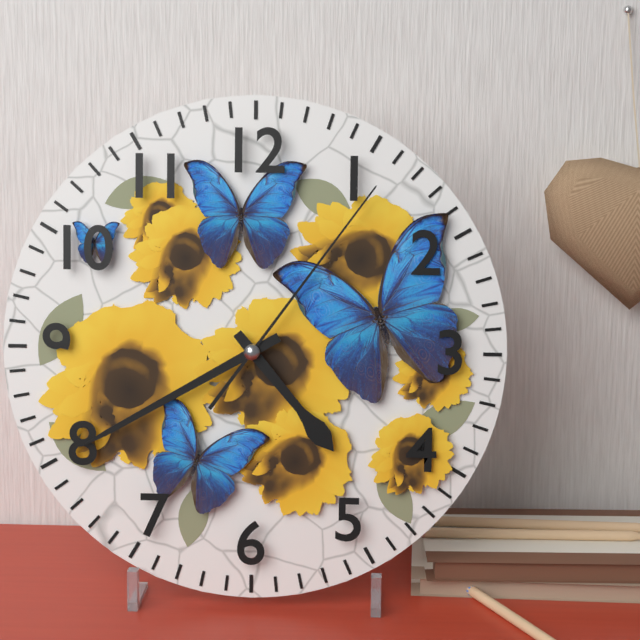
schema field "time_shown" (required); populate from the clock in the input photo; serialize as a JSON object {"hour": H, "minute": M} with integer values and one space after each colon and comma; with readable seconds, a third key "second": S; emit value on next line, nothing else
{"hour": 4, "minute": 40, "second": 6}
